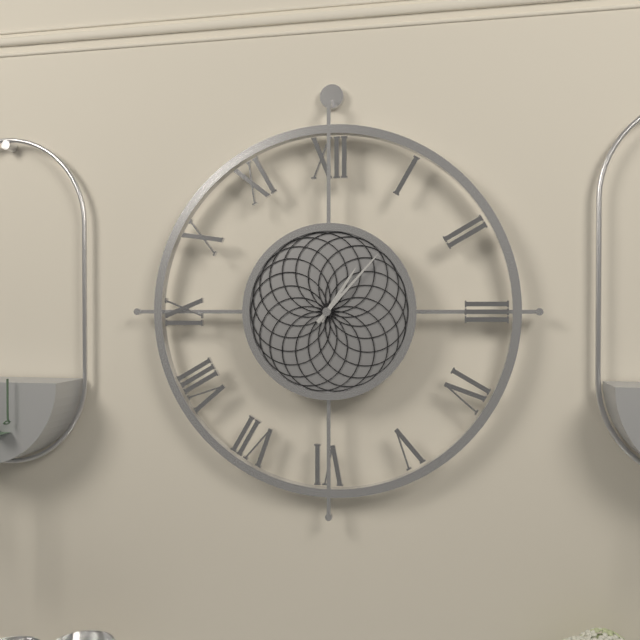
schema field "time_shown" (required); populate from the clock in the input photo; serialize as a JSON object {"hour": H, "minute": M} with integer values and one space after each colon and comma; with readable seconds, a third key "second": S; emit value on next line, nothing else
{"hour": 1, "minute": 7}
